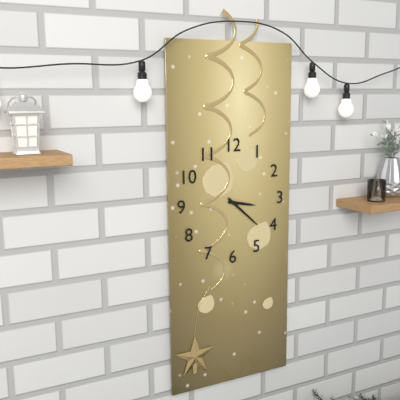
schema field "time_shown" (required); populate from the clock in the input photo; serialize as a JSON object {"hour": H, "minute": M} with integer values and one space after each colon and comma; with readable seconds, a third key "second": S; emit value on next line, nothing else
{"hour": 3, "minute": 22}
